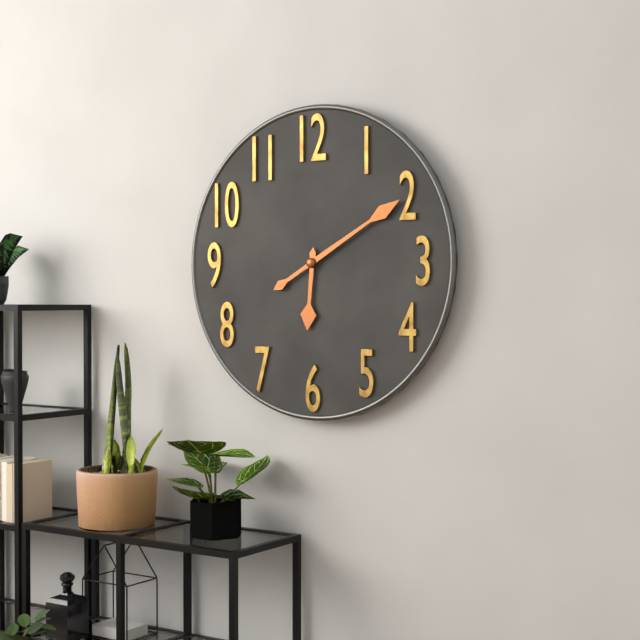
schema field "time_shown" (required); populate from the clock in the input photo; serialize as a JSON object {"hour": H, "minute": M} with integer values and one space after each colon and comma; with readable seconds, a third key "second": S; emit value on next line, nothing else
{"hour": 6, "minute": 10}
